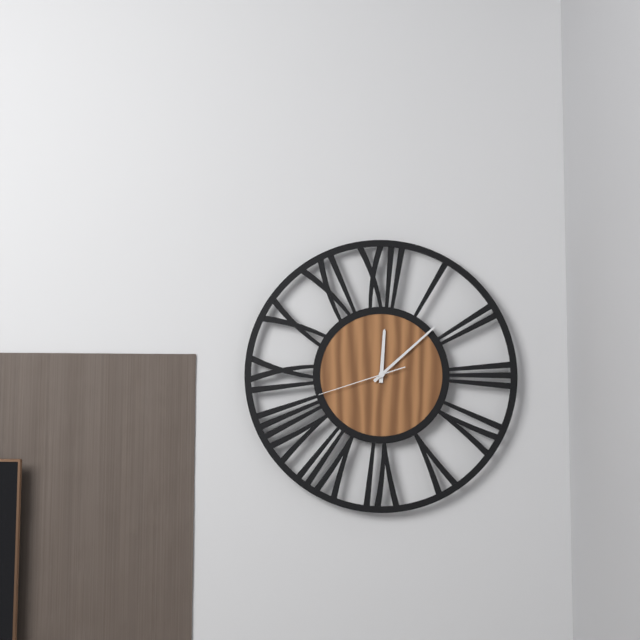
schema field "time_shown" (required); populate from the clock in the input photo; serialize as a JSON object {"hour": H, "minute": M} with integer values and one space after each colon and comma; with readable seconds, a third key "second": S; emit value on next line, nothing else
{"hour": 12, "minute": 8, "second": 42}
